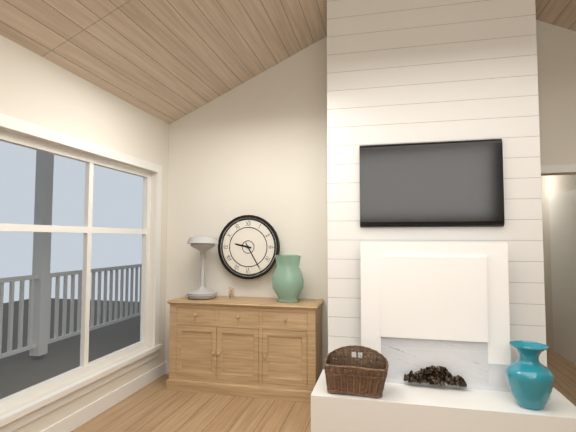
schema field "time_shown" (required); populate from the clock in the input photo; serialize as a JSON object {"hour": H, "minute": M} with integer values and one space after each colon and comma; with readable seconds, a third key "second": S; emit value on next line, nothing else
{"hour": 9, "minute": 25}
